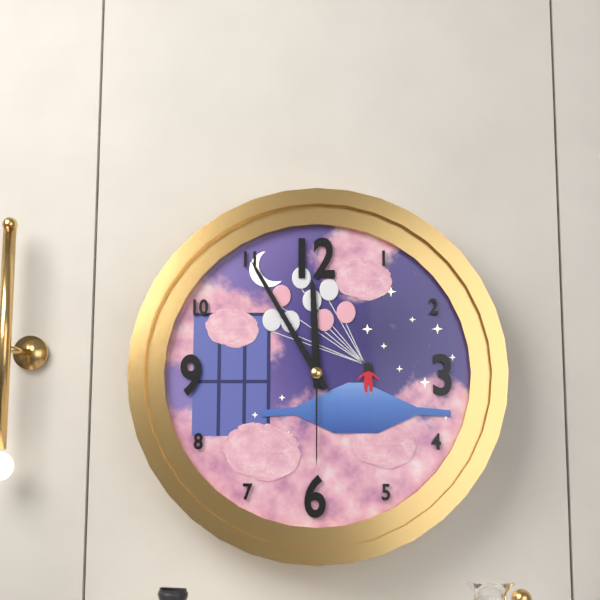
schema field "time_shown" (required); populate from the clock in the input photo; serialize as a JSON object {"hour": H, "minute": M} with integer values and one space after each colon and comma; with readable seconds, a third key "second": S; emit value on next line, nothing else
{"hour": 11, "minute": 55, "second": 30}
